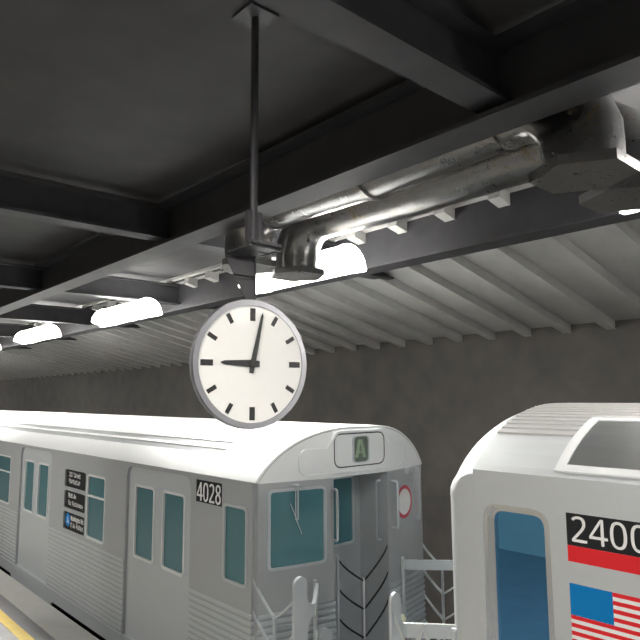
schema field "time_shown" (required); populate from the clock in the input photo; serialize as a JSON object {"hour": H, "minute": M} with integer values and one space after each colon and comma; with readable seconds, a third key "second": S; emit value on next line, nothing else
{"hour": 9, "minute": 2}
